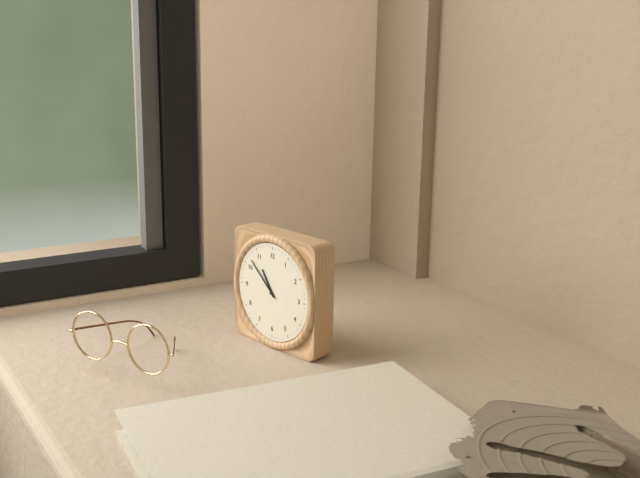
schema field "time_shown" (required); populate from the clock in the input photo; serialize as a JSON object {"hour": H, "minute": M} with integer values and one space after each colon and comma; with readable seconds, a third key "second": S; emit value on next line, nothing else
{"hour": 10, "minute": 52}
